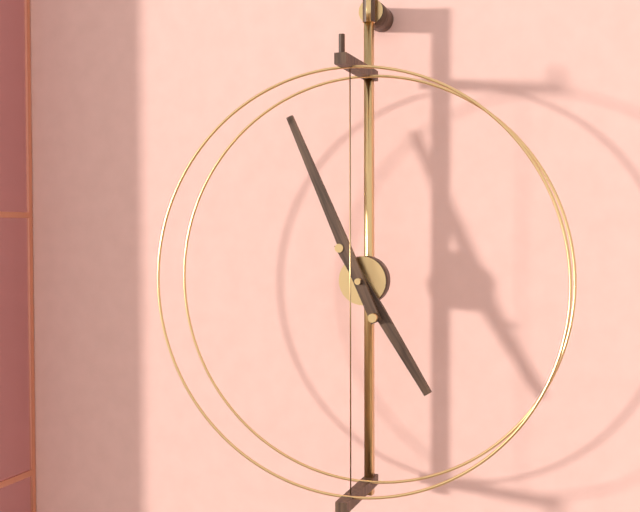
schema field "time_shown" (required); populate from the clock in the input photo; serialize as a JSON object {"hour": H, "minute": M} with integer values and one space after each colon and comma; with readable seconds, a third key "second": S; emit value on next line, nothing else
{"hour": 4, "minute": 56}
